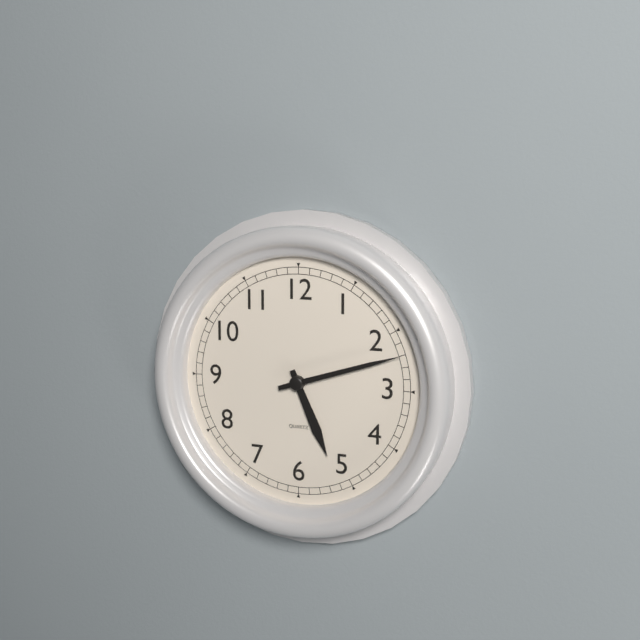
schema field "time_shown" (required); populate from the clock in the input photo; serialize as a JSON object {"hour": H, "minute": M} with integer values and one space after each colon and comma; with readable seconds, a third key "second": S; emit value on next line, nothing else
{"hour": 5, "minute": 12}
